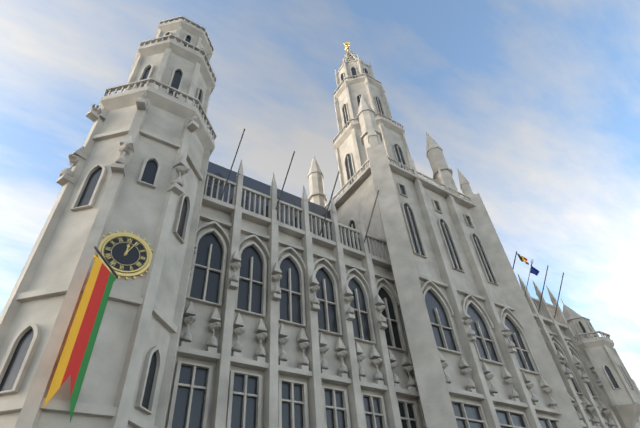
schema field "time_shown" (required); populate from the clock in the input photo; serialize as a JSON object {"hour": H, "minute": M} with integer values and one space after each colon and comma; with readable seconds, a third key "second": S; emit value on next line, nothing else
{"hour": 12, "minute": 4}
